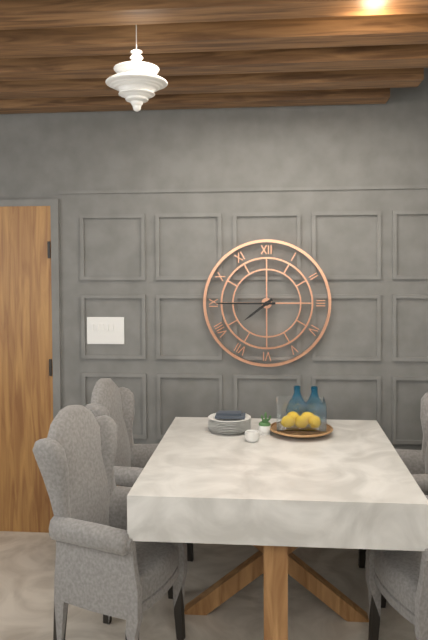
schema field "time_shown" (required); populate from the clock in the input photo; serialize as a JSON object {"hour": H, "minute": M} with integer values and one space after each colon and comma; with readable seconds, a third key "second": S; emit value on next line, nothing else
{"hour": 7, "minute": 45}
